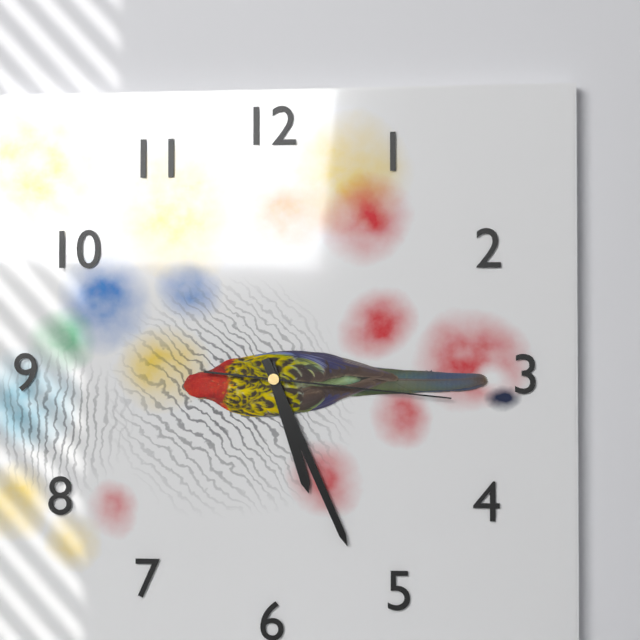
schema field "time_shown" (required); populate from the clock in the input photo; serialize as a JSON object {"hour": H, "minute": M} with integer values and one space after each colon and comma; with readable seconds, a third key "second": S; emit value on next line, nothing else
{"hour": 5, "minute": 26, "second": 16}
